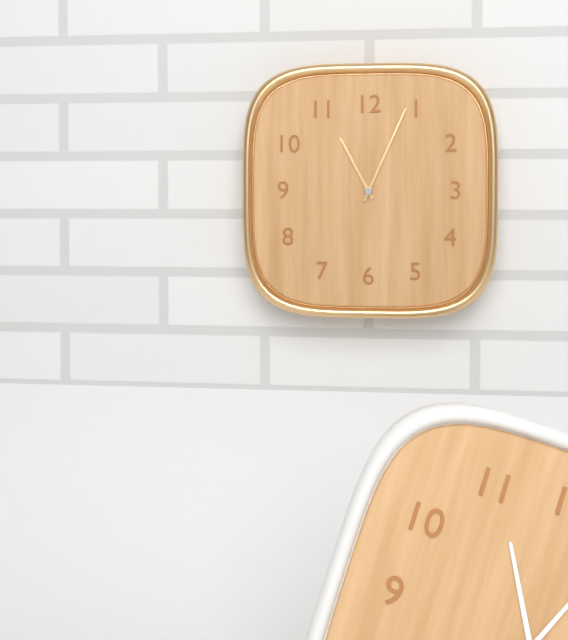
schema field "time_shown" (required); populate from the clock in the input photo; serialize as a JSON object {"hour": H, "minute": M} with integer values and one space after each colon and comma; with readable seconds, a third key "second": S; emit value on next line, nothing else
{"hour": 11, "minute": 4}
